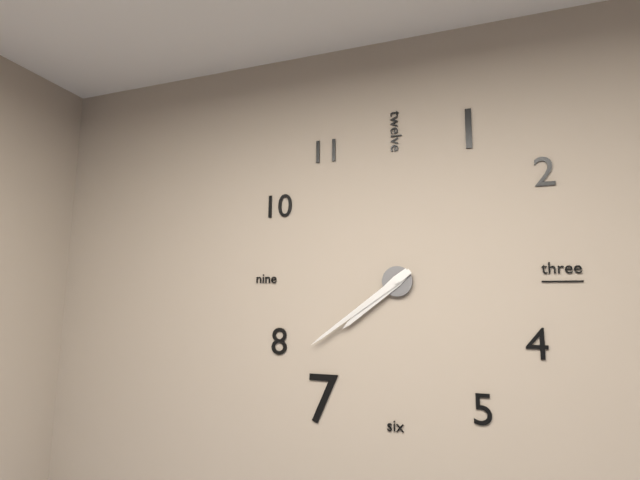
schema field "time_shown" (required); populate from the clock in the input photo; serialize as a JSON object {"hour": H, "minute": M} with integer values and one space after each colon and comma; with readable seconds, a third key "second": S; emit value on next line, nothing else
{"hour": 7, "minute": 39}
